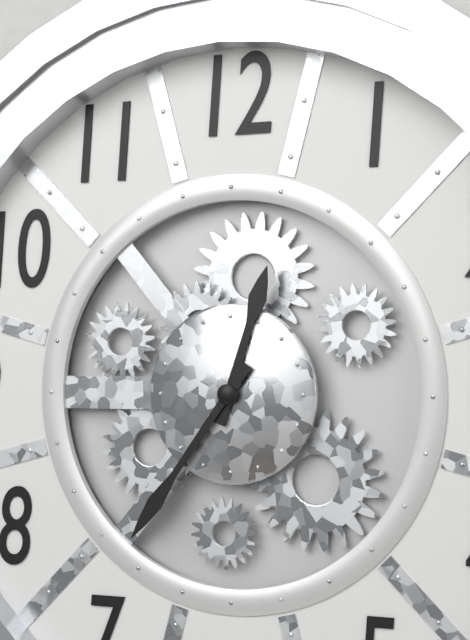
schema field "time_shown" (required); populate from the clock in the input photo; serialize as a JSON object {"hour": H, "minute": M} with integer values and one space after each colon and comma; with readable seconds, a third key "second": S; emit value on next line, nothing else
{"hour": 12, "minute": 36}
